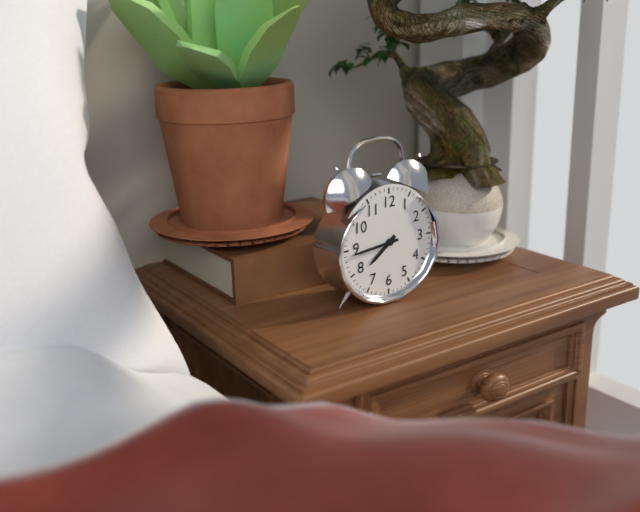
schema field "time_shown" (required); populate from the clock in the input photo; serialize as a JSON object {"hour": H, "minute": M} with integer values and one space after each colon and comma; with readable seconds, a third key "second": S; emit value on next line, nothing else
{"hour": 7, "minute": 44}
